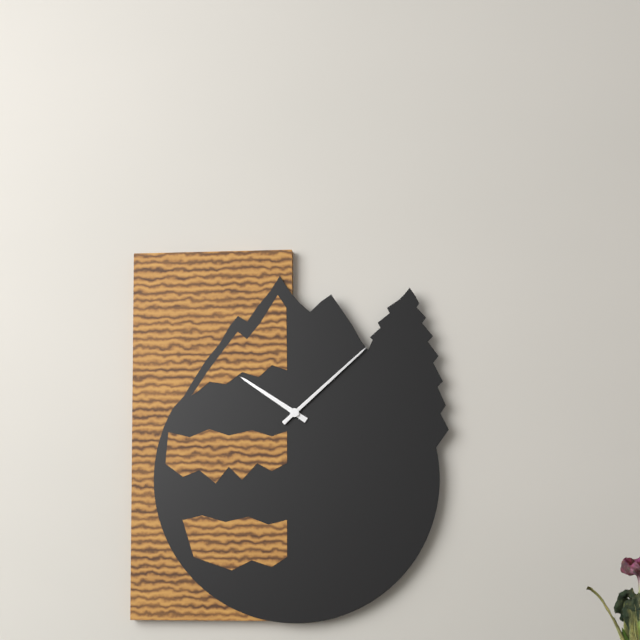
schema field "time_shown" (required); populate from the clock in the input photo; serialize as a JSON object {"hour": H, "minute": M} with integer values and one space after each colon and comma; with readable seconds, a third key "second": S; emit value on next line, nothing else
{"hour": 10, "minute": 8}
